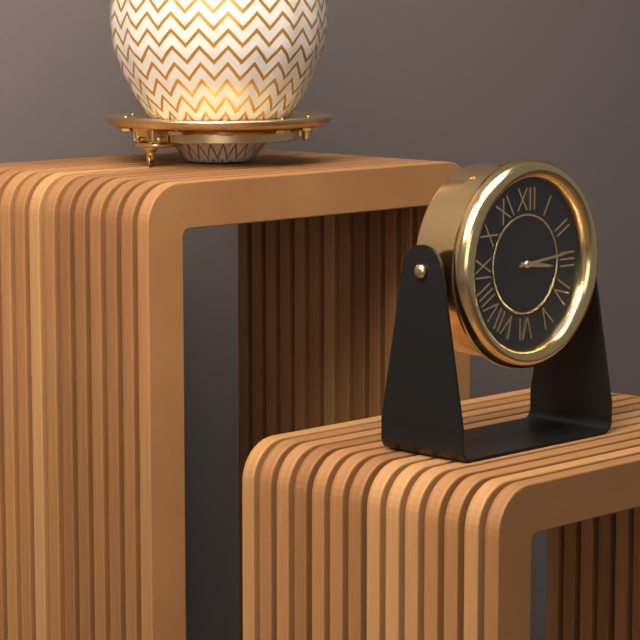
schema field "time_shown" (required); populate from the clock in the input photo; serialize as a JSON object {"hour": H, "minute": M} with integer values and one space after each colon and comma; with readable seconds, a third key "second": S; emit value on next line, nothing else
{"hour": 3, "minute": 14}
